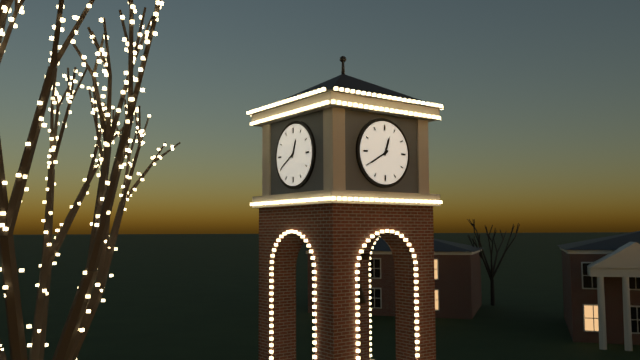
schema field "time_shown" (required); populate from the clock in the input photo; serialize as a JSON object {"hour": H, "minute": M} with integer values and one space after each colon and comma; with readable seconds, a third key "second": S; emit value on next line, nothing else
{"hour": 12, "minute": 40}
